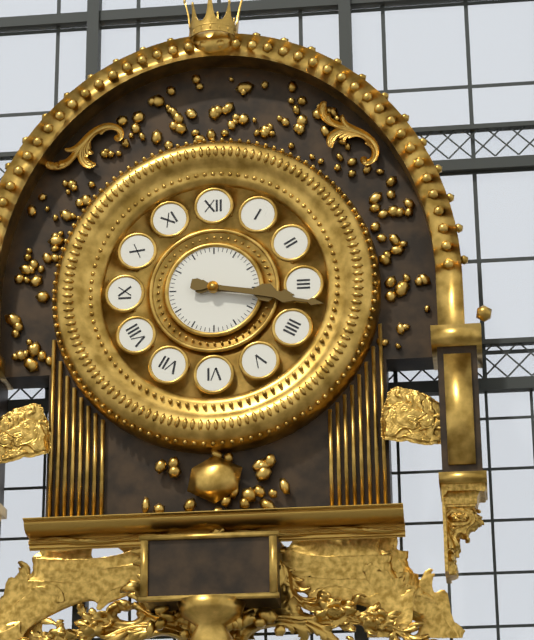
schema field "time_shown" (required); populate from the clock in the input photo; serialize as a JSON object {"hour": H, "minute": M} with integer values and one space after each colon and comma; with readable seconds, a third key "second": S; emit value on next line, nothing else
{"hour": 3, "minute": 17}
